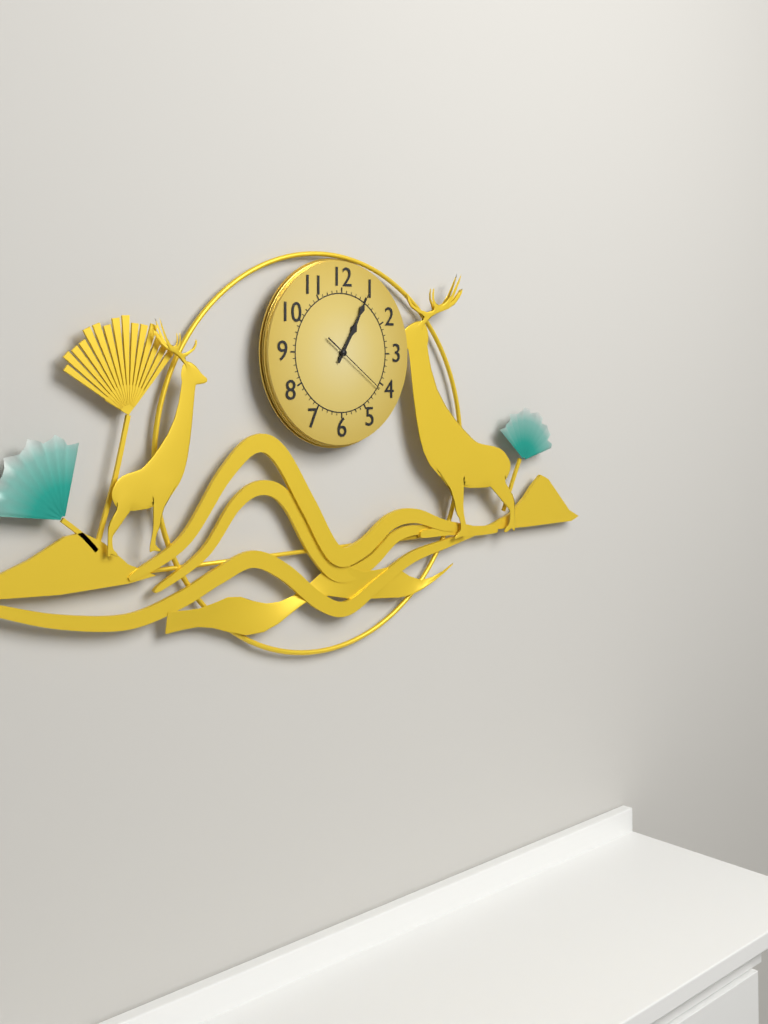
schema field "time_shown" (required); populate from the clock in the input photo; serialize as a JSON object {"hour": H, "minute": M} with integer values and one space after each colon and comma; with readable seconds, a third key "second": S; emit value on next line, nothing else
{"hour": 1, "minute": 5, "second": 21}
